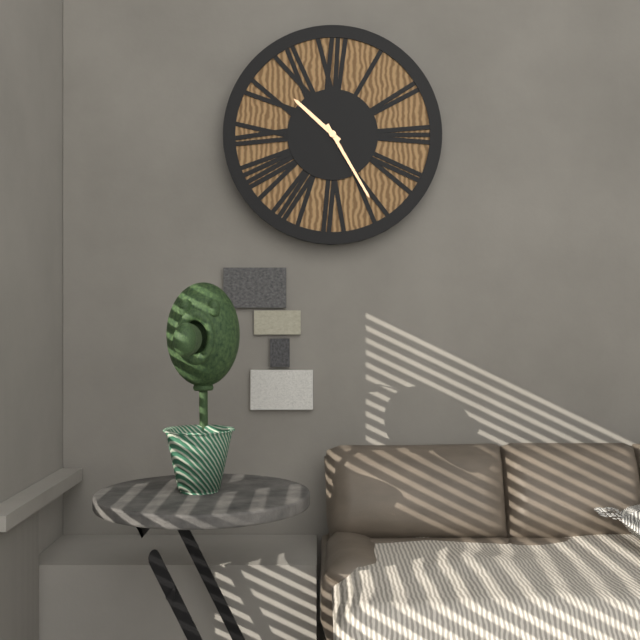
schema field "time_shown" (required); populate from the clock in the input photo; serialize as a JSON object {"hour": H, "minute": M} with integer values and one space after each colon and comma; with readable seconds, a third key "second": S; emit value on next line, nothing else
{"hour": 10, "minute": 25}
